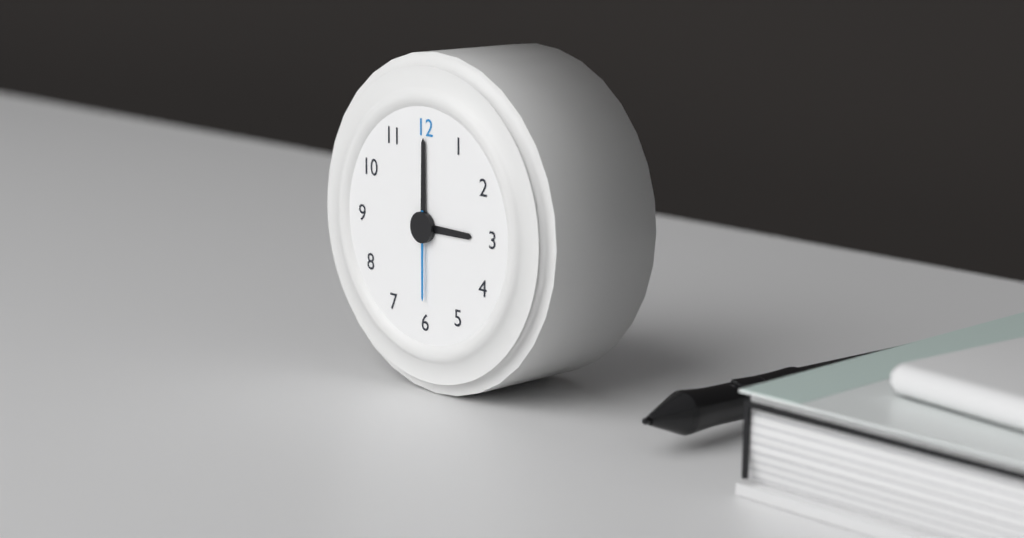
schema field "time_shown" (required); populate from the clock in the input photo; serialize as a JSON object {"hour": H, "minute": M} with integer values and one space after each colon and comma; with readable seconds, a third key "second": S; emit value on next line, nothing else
{"hour": 3, "minute": 0, "second": 30}
